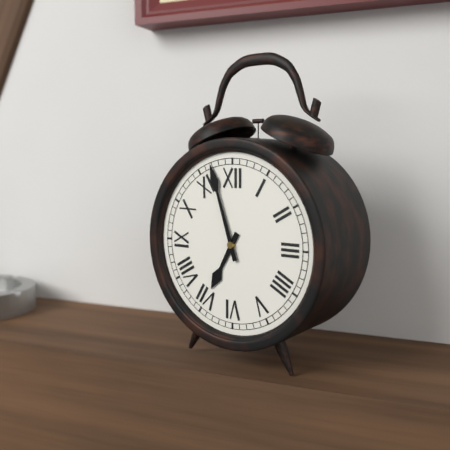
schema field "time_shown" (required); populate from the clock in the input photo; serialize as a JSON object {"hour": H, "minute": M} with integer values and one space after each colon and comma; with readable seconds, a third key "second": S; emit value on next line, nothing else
{"hour": 6, "minute": 57}
